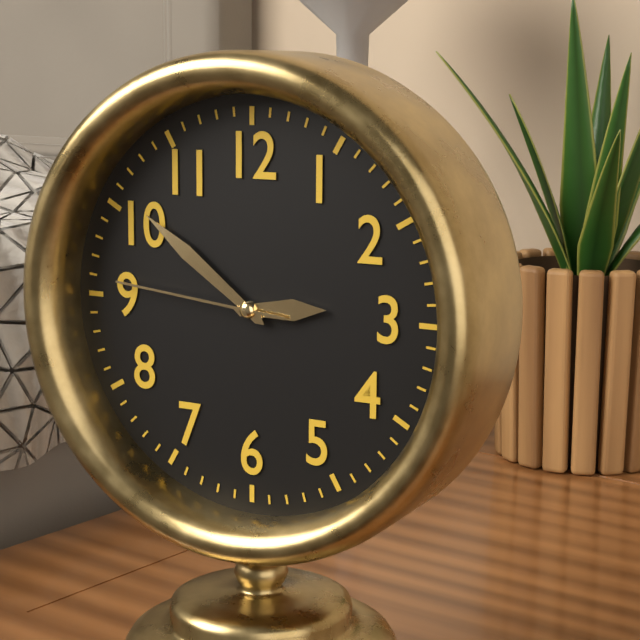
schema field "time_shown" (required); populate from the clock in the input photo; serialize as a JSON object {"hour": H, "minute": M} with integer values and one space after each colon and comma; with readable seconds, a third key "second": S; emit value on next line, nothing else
{"hour": 2, "minute": 51, "second": 46}
